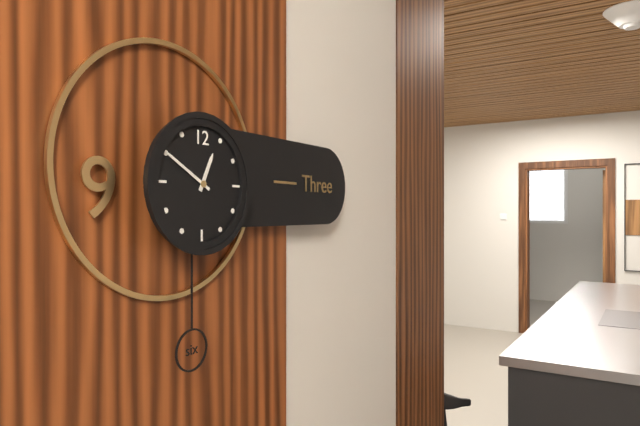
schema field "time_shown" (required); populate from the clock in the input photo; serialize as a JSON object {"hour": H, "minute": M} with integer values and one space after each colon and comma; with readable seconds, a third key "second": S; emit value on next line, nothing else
{"hour": 12, "minute": 50}
